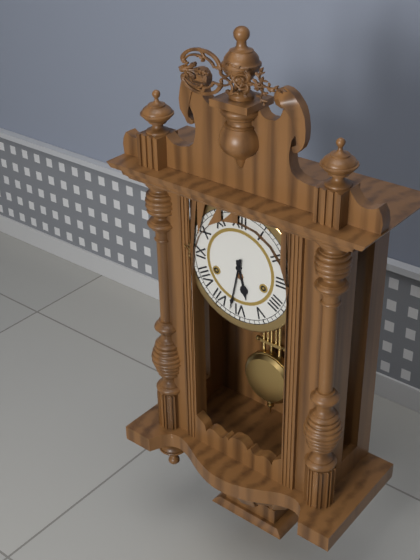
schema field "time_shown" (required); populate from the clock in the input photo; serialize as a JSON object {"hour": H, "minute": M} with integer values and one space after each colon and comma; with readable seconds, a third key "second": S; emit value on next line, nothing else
{"hour": 5, "minute": 32}
